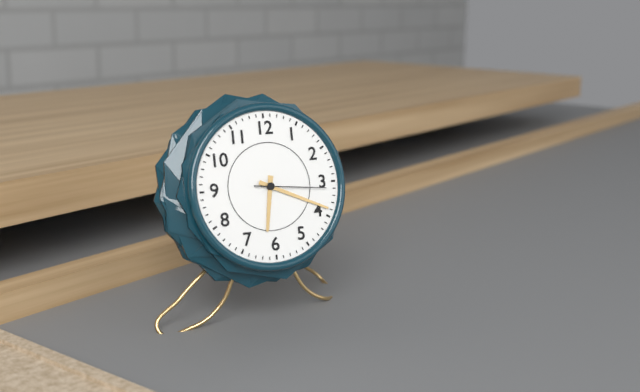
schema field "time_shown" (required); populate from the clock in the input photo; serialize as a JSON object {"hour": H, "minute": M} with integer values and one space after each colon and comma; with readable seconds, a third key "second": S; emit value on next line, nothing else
{"hour": 6, "minute": 19, "second": 16}
